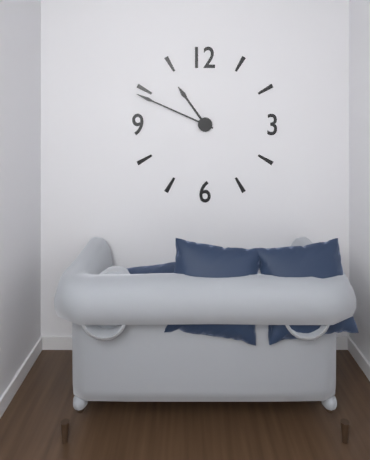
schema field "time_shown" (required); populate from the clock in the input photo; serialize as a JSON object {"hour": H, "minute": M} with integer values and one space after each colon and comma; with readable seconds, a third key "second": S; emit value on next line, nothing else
{"hour": 10, "minute": 49}
